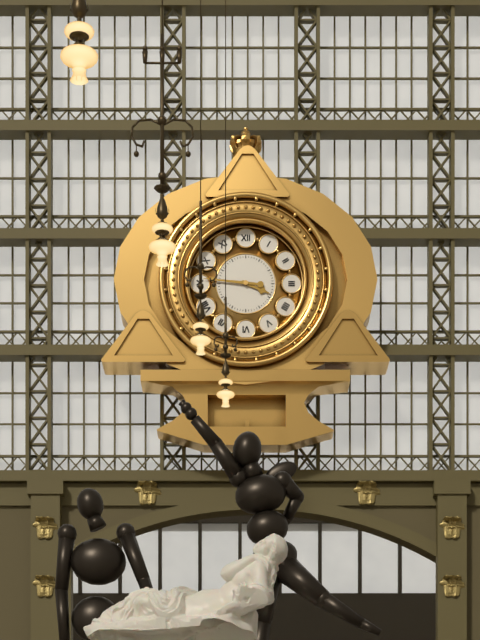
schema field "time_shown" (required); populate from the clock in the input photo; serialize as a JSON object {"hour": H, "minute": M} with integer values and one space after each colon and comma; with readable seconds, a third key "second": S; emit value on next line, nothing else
{"hour": 3, "minute": 46}
